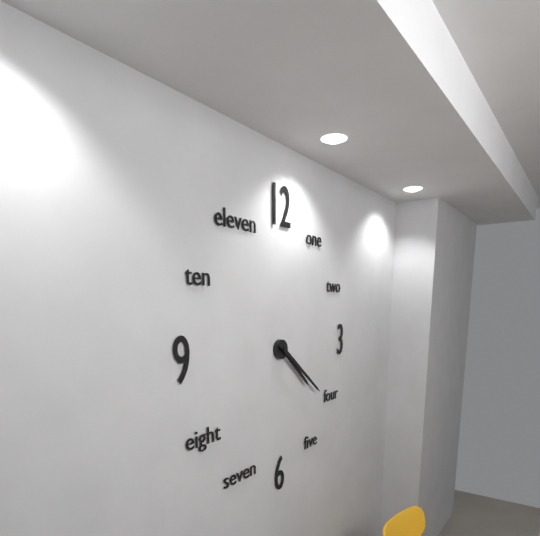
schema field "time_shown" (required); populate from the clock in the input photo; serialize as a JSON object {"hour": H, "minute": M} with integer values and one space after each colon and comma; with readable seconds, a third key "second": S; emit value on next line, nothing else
{"hour": 4, "minute": 21}
